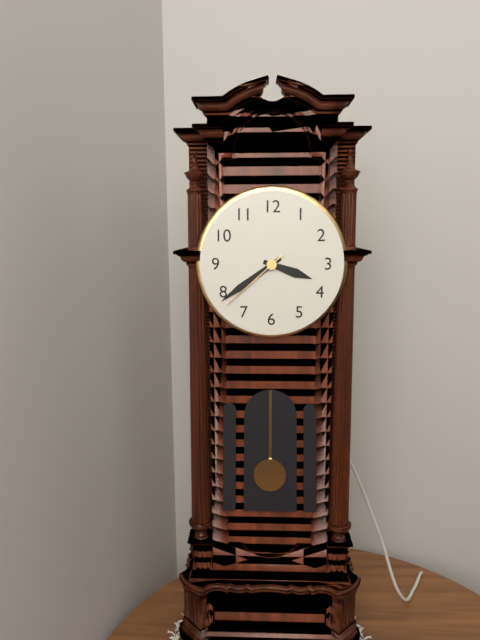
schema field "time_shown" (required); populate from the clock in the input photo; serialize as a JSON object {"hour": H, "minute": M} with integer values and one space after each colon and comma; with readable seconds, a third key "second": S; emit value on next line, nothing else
{"hour": 3, "minute": 39, "second": 38}
